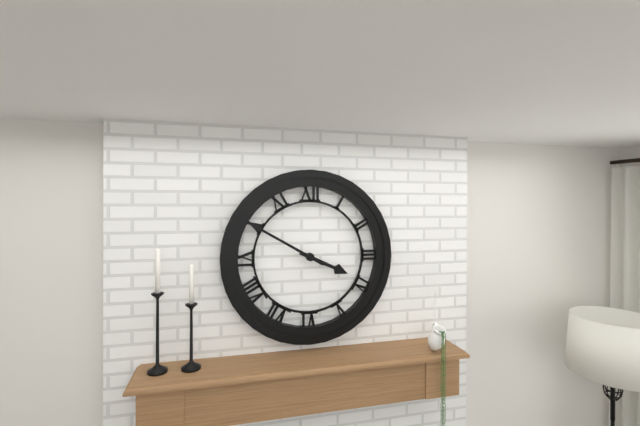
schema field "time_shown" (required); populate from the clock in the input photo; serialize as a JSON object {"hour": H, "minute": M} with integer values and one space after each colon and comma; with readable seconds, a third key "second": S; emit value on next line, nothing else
{"hour": 3, "minute": 50}
